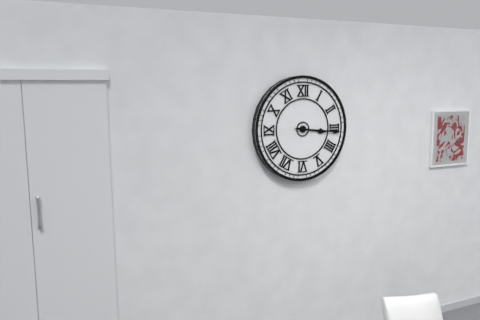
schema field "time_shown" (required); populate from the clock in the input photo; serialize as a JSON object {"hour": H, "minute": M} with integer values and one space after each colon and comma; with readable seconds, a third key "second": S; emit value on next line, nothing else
{"hour": 3, "minute": 16}
